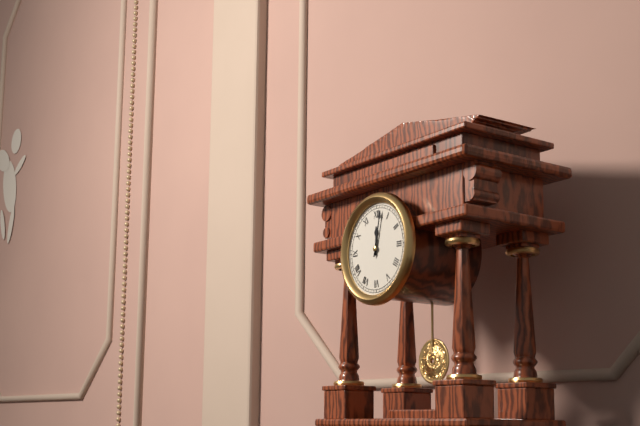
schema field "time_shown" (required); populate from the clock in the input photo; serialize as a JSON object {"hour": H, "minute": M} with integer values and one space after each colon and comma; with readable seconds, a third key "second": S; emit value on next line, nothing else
{"hour": 12, "minute": 2}
